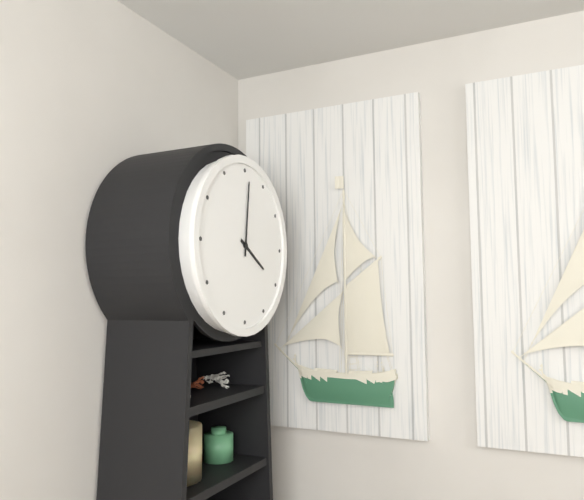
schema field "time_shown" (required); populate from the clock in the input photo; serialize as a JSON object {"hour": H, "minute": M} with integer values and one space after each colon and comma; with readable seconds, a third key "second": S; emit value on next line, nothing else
{"hour": 4, "minute": 1}
